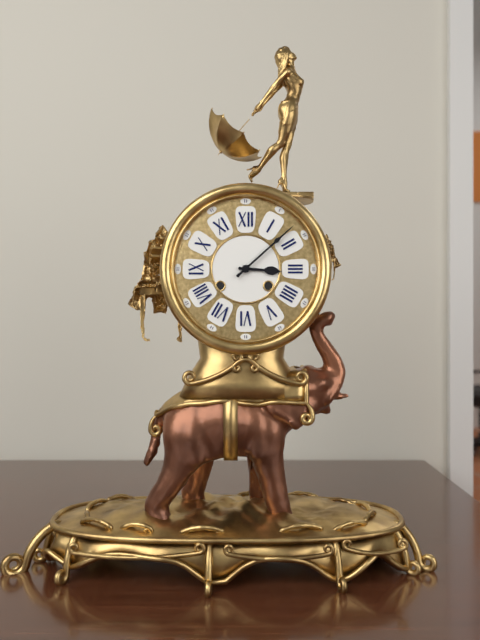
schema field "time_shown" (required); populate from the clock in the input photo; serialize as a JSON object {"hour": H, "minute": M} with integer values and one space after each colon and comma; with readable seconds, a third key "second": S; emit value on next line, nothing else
{"hour": 3, "minute": 8}
